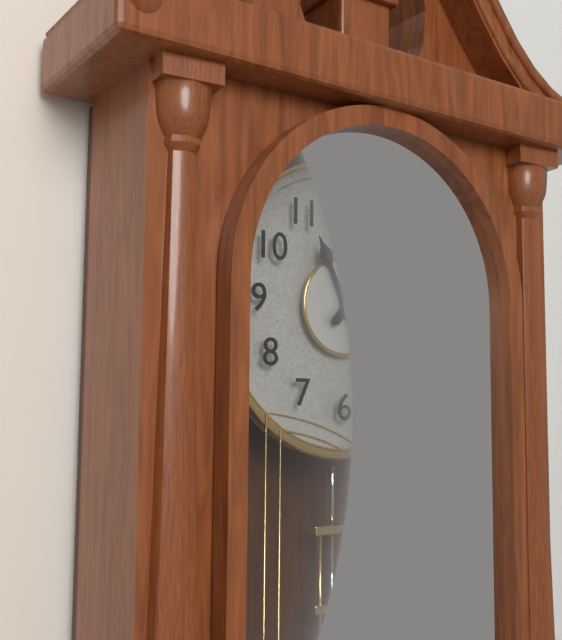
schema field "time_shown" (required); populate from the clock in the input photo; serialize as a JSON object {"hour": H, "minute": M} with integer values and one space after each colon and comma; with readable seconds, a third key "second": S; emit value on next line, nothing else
{"hour": 11, "minute": 7}
